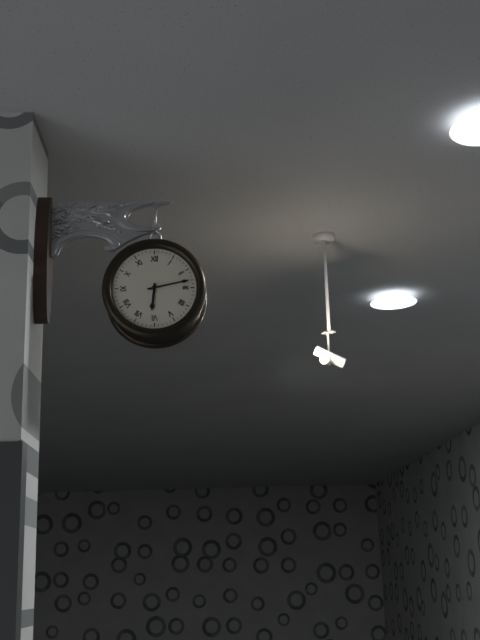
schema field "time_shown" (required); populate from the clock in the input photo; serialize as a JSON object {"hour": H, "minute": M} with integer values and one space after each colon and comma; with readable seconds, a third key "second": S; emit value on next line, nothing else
{"hour": 6, "minute": 13}
